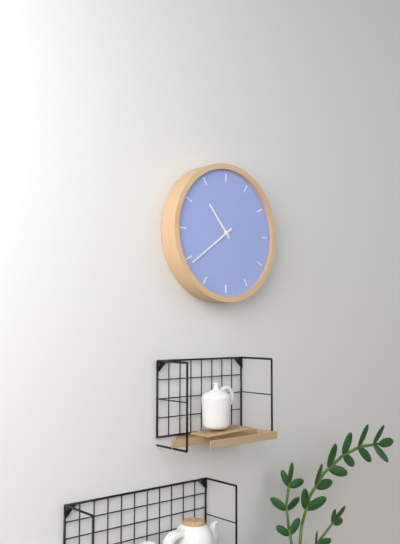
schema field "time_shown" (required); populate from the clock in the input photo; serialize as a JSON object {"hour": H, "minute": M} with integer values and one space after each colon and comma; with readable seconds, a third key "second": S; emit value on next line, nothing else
{"hour": 10, "minute": 39}
